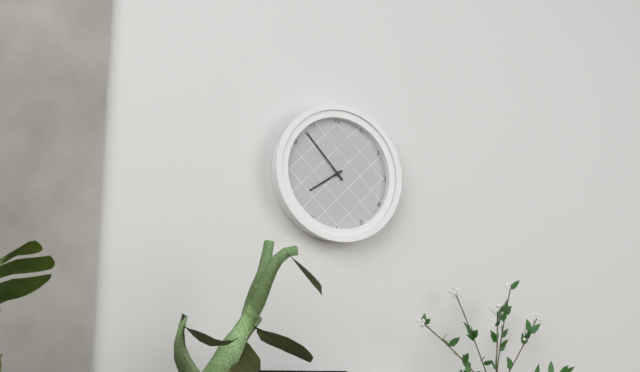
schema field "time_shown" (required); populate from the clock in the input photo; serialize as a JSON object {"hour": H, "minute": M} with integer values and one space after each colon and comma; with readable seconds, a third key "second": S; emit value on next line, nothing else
{"hour": 7, "minute": 53}
